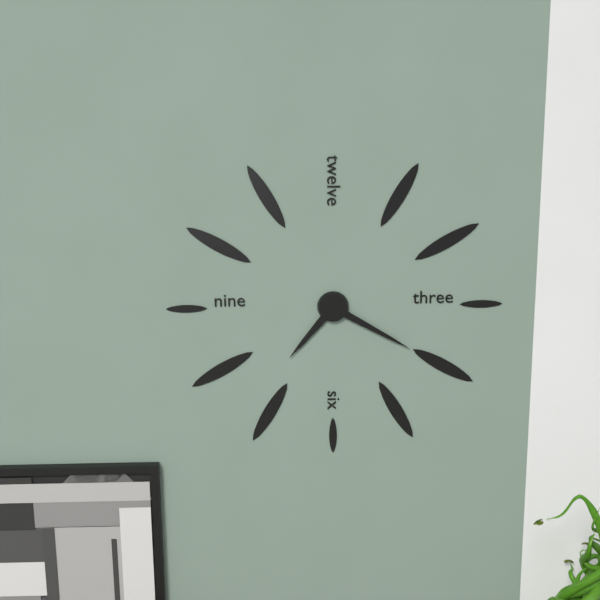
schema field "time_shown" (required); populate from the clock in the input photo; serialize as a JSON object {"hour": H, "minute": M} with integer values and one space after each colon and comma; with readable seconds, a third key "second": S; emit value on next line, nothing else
{"hour": 7, "minute": 20}
